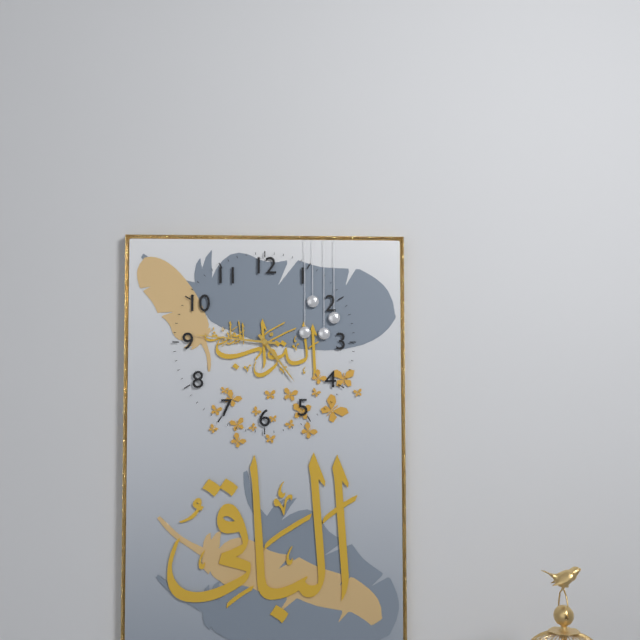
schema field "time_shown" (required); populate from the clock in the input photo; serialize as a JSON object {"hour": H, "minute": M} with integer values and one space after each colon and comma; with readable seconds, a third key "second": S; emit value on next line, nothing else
{"hour": 4, "minute": 46}
